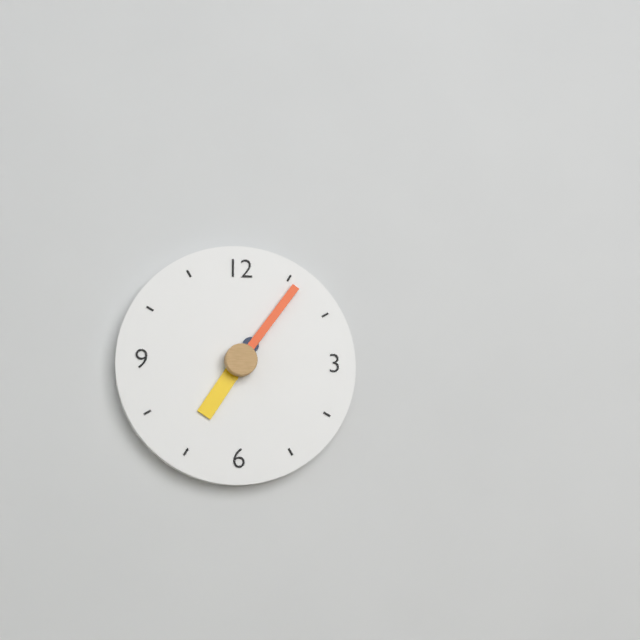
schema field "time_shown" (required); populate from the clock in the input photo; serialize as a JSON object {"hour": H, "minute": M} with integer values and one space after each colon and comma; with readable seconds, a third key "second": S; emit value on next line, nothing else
{"hour": 7, "minute": 6}
